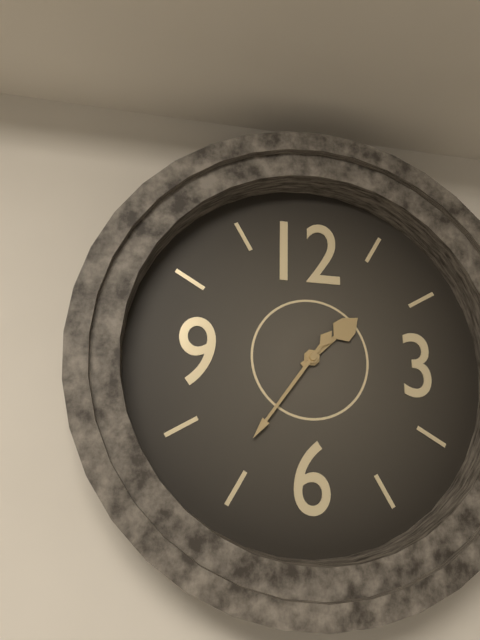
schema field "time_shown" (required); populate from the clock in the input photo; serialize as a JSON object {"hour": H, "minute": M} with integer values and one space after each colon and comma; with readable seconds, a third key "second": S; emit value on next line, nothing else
{"hour": 1, "minute": 36}
